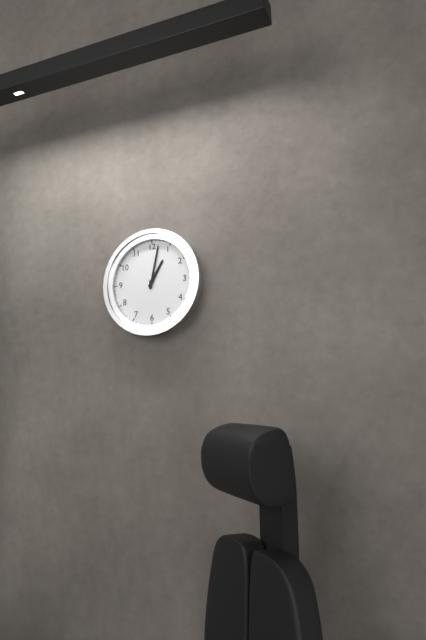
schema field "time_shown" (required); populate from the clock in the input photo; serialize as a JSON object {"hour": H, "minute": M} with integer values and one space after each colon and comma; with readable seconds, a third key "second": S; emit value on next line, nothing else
{"hour": 1, "minute": 2}
